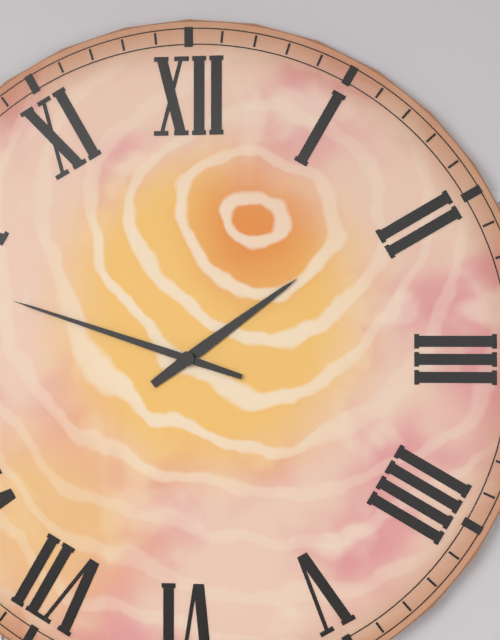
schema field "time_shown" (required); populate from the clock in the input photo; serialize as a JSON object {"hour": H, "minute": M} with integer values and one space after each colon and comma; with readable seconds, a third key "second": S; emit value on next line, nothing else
{"hour": 1, "minute": 48}
